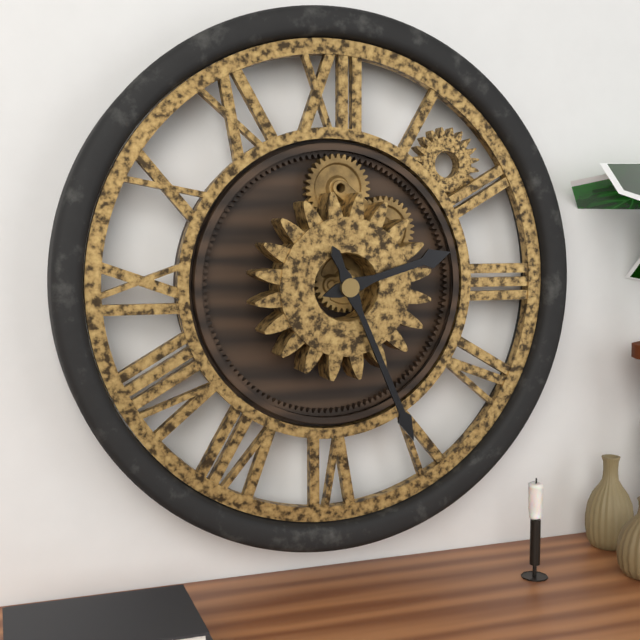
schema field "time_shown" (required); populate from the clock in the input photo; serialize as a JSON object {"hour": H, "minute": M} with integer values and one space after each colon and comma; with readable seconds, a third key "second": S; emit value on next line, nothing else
{"hour": 2, "minute": 26}
